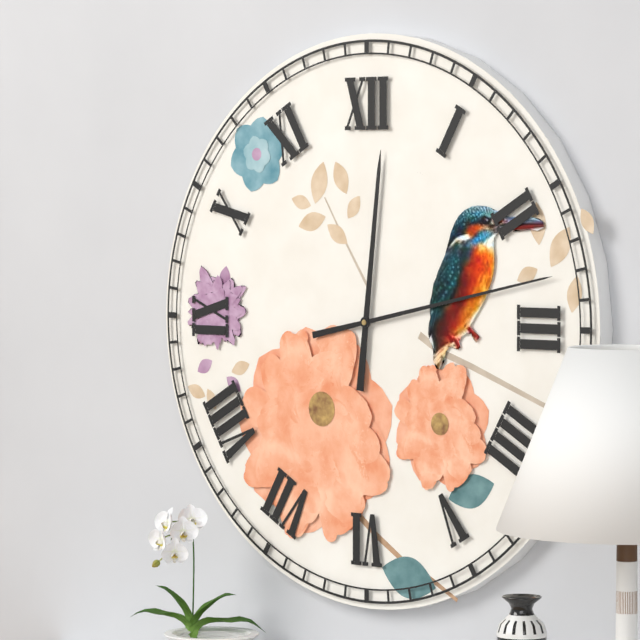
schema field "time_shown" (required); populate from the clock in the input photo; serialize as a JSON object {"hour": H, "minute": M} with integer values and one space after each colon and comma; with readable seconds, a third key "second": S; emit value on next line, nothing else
{"hour": 12, "minute": 13}
